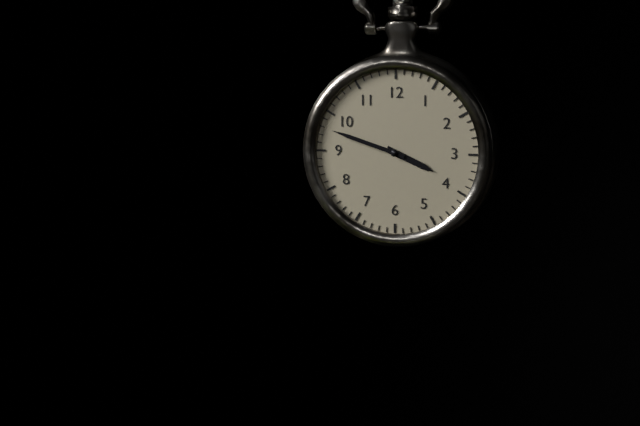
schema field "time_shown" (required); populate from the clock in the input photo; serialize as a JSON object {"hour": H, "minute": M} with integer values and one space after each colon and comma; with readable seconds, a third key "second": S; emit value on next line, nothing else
{"hour": 3, "minute": 48}
